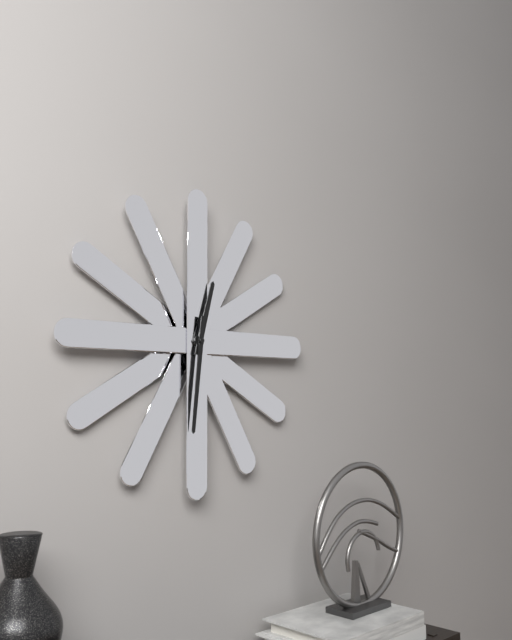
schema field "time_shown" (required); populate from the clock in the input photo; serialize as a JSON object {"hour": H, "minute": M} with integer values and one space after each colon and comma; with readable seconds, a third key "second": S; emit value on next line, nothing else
{"hour": 12, "minute": 31}
